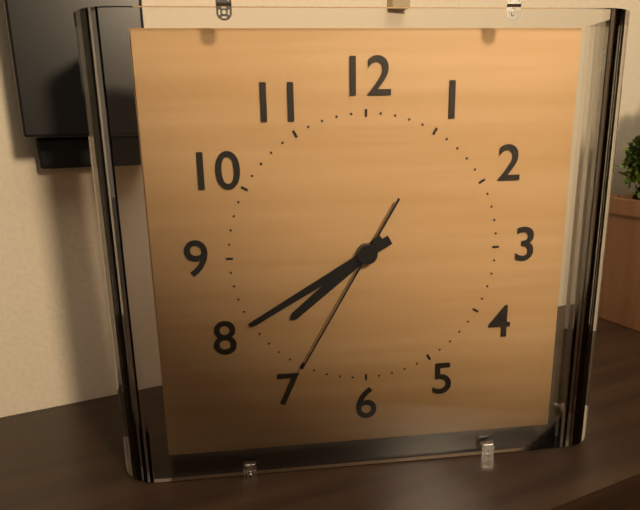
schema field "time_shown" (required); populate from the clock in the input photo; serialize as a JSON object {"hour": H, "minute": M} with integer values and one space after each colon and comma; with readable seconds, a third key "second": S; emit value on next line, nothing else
{"hour": 7, "minute": 40, "second": 35}
